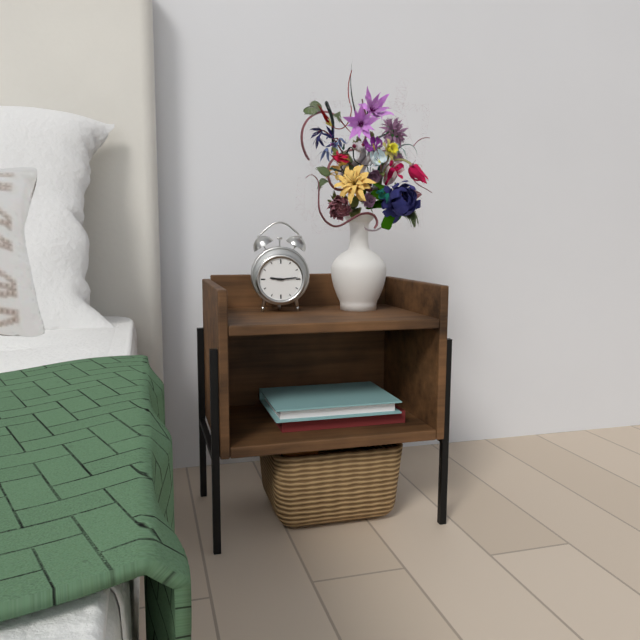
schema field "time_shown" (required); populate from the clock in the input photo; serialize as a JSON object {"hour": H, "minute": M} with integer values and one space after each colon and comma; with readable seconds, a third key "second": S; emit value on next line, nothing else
{"hour": 9, "minute": 14}
